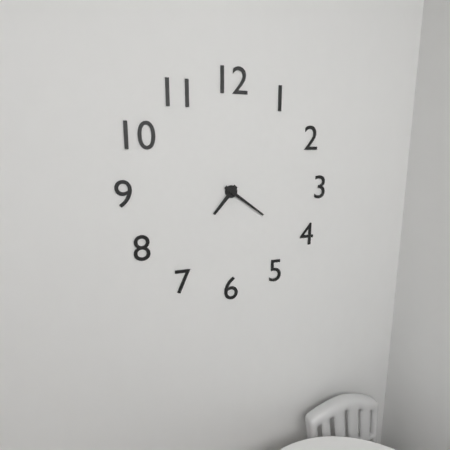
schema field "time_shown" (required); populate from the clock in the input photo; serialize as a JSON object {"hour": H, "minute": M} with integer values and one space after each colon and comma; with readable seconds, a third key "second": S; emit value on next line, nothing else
{"hour": 7, "minute": 21}
